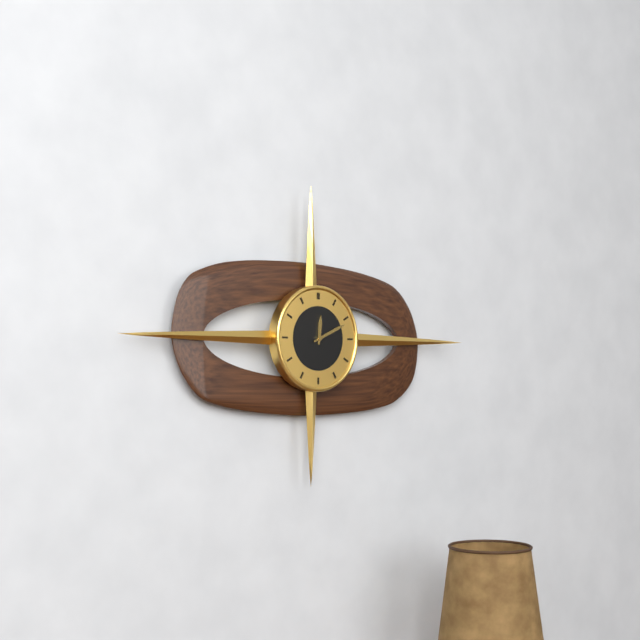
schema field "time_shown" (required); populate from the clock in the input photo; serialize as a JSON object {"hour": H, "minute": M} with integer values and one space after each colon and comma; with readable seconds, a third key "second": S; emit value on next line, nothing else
{"hour": 12, "minute": 11}
